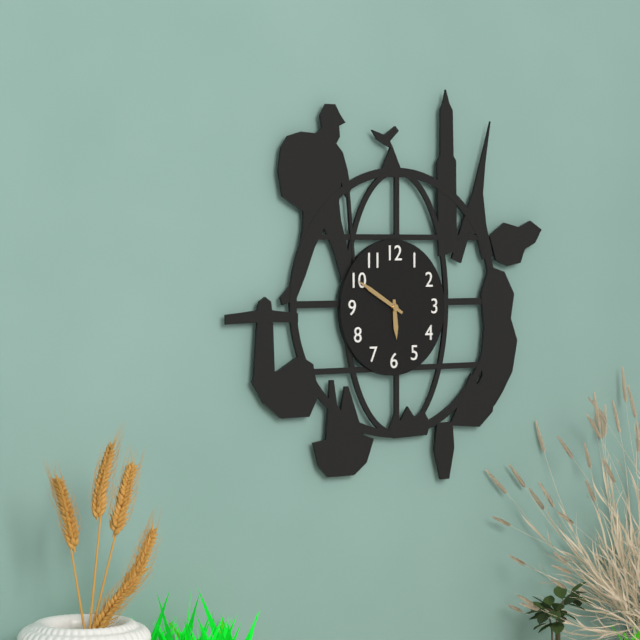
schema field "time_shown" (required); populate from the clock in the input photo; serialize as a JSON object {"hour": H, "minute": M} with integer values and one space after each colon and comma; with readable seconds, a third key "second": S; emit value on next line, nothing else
{"hour": 5, "minute": 50}
